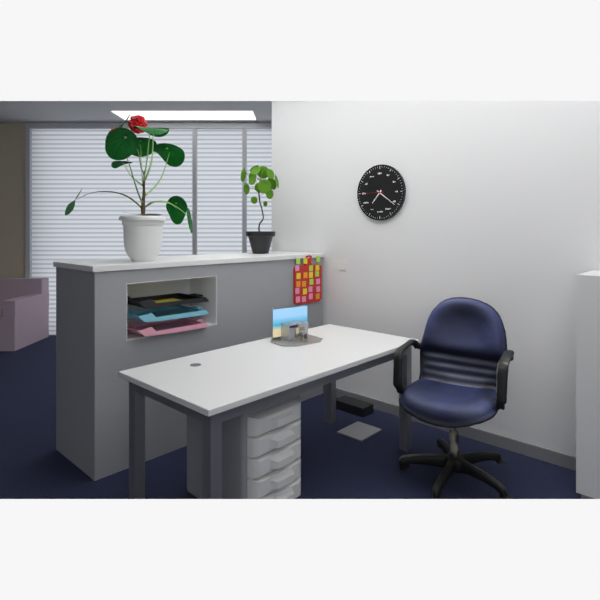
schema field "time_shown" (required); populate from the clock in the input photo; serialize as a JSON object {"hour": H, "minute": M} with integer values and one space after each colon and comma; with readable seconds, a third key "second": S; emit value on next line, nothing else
{"hour": 7, "minute": 21}
